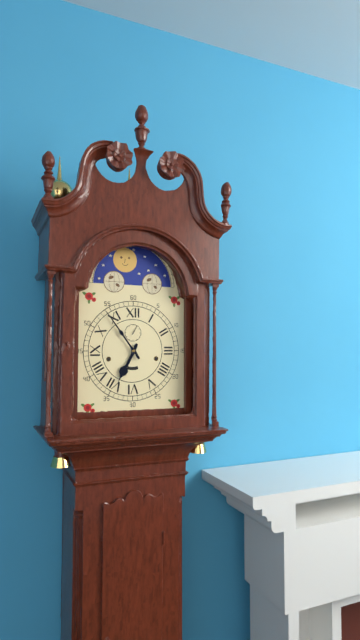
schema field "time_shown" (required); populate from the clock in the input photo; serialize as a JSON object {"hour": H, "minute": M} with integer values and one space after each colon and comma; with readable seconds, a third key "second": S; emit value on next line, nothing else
{"hour": 6, "minute": 54}
